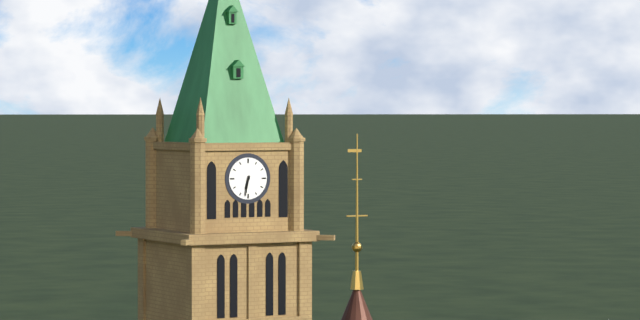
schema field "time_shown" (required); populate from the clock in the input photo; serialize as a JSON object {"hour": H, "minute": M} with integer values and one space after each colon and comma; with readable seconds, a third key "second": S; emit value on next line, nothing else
{"hour": 6, "minute": 32}
